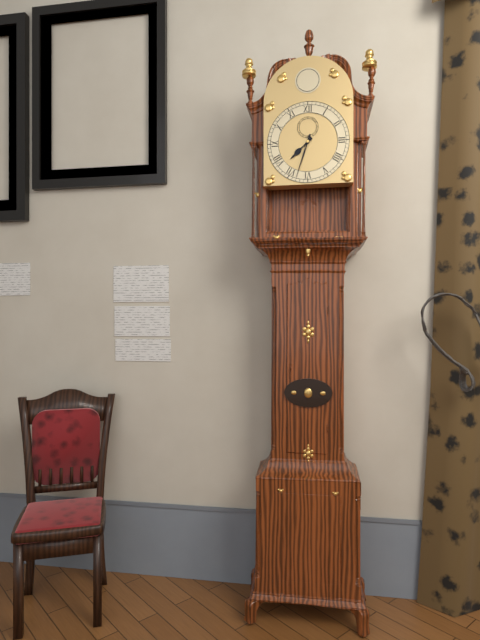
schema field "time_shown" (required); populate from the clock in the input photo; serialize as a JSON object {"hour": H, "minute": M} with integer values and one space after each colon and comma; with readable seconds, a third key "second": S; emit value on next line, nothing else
{"hour": 7, "minute": 33}
